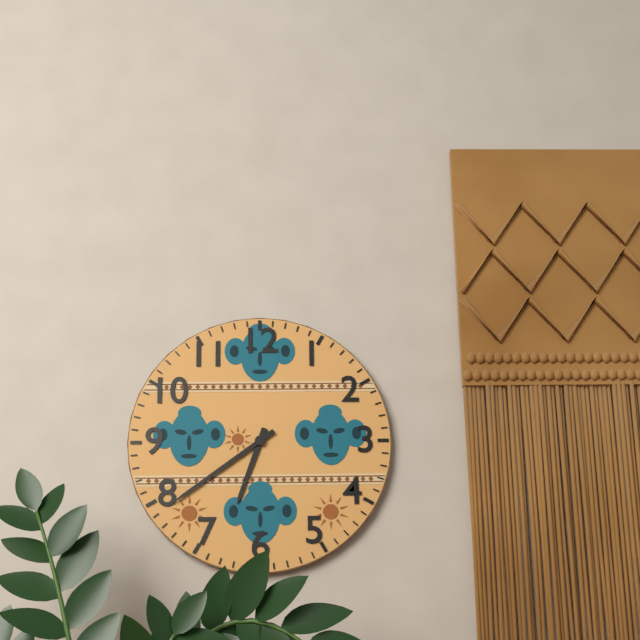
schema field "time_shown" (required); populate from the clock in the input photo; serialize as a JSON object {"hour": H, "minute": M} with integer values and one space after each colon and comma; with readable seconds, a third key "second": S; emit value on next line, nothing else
{"hour": 6, "minute": 39}
